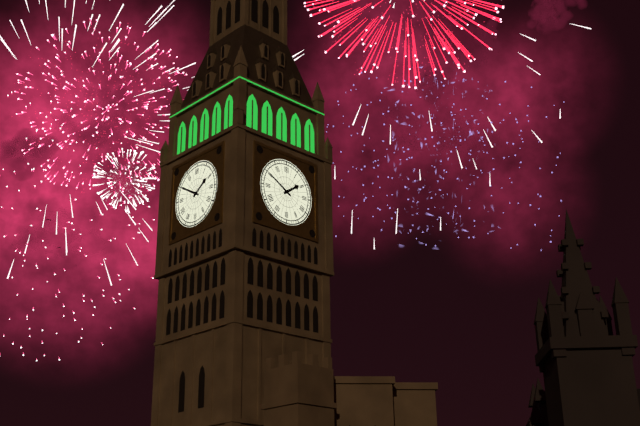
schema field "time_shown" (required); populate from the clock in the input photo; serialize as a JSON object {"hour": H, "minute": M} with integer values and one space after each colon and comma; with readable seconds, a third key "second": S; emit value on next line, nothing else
{"hour": 1, "minute": 50}
